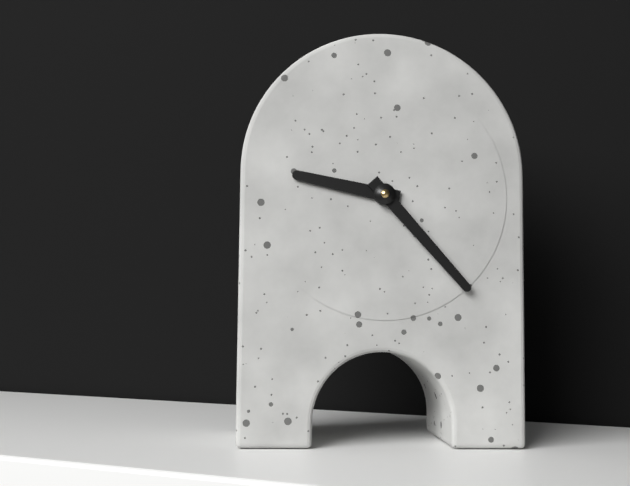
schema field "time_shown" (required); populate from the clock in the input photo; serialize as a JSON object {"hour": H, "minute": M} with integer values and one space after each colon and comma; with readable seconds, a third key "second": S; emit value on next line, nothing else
{"hour": 9, "minute": 23}
